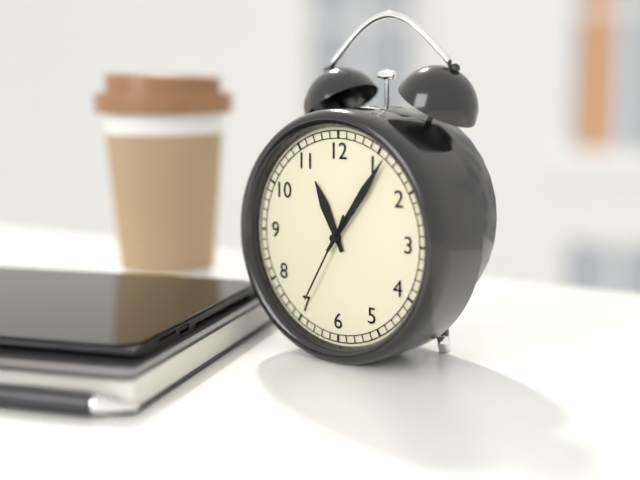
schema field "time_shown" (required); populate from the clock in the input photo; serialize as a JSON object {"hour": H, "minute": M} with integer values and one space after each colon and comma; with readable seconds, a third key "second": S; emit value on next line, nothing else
{"hour": 11, "minute": 6, "second": 35}
